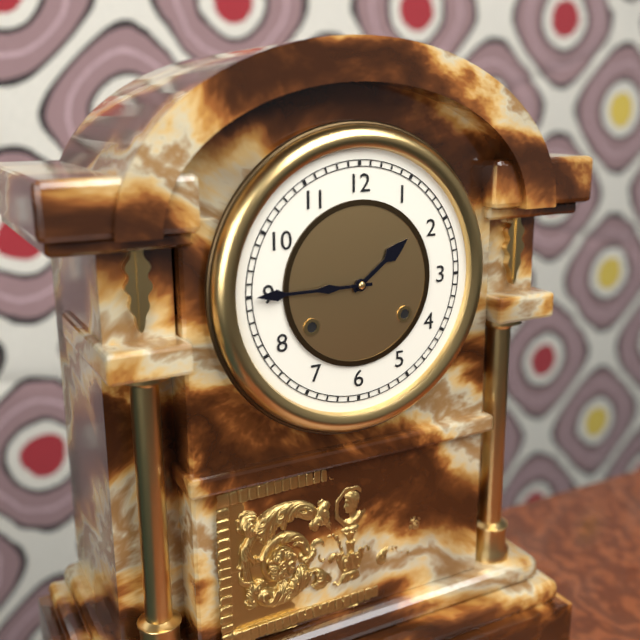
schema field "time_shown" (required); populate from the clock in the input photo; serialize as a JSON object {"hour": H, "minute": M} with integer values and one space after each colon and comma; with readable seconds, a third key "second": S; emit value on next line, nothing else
{"hour": 1, "minute": 45}
